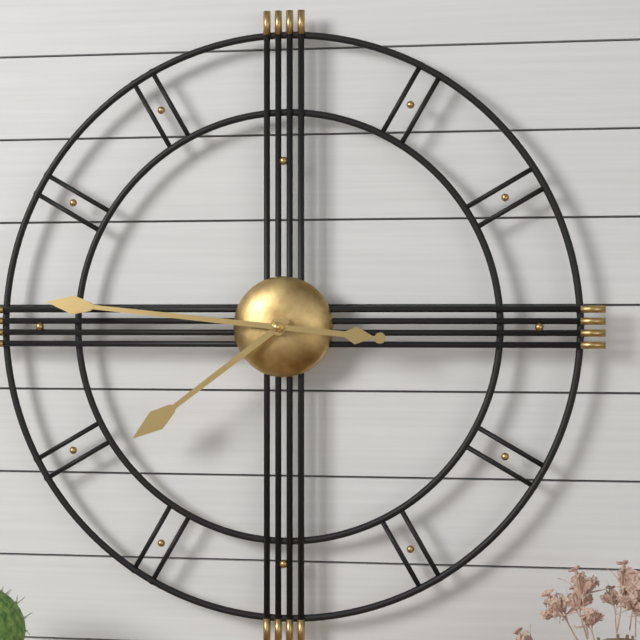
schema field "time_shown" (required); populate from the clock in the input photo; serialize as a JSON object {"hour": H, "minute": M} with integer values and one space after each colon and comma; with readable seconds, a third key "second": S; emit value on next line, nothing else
{"hour": 7, "minute": 46}
